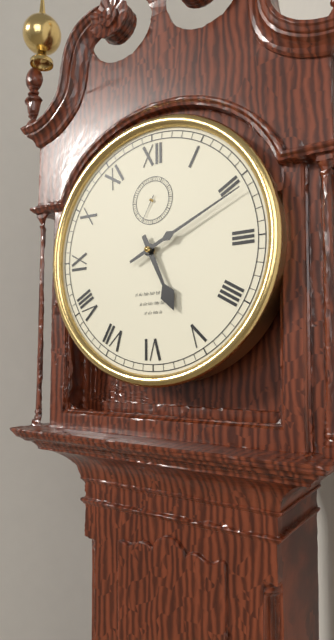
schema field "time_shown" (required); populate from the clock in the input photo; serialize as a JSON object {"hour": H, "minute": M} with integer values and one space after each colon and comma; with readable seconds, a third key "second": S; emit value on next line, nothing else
{"hour": 5, "minute": 11}
